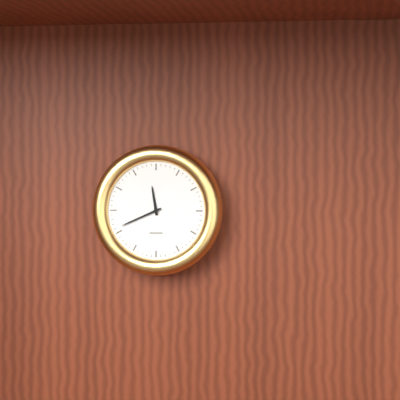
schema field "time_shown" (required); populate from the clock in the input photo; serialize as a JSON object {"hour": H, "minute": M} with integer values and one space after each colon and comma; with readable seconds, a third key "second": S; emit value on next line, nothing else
{"hour": 11, "minute": 41}
